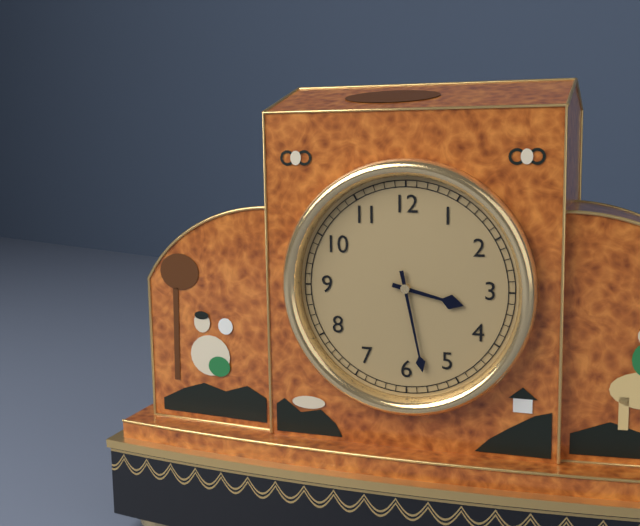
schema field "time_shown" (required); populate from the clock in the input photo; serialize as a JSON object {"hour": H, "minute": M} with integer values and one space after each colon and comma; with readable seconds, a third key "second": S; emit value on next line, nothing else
{"hour": 3, "minute": 28}
